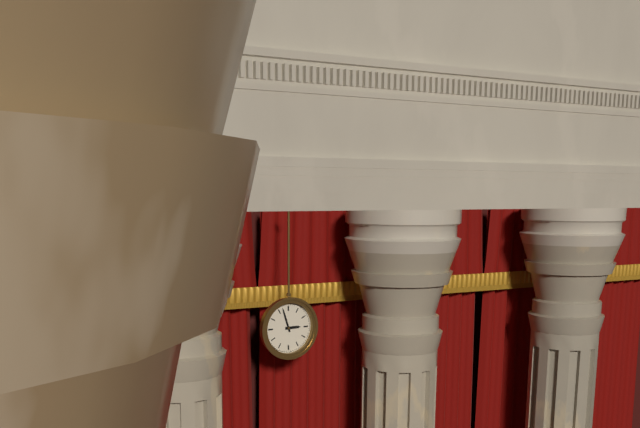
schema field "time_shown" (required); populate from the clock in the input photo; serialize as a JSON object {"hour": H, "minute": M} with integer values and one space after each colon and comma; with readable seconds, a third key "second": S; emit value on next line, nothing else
{"hour": 2, "minute": 57}
